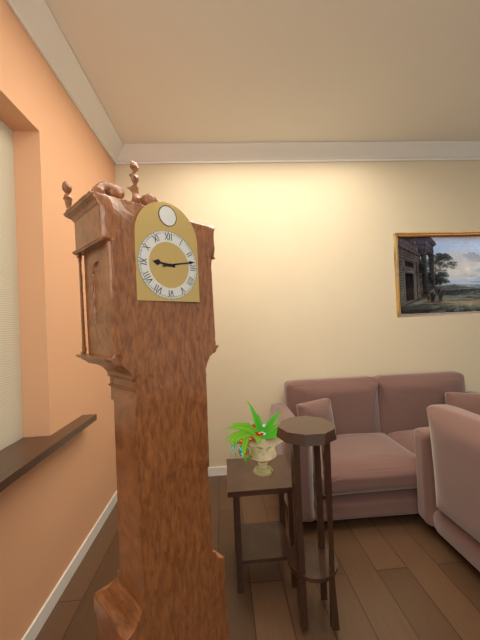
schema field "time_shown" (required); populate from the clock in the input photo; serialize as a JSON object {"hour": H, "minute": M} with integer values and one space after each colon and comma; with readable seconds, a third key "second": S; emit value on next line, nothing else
{"hour": 9, "minute": 13}
